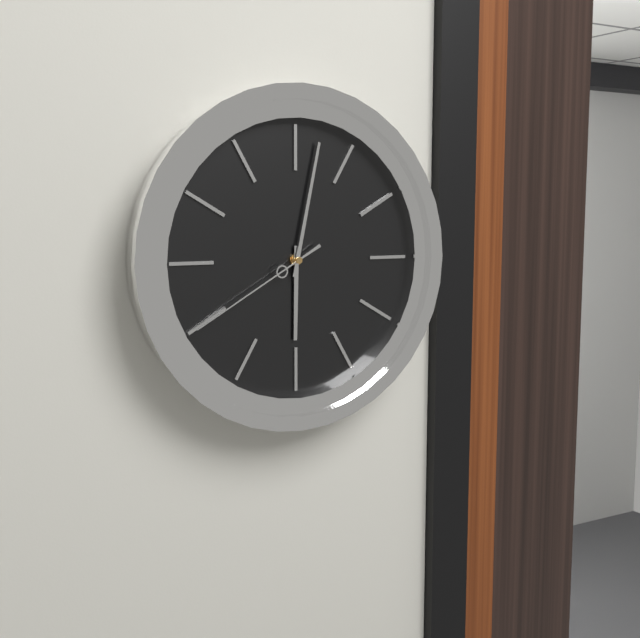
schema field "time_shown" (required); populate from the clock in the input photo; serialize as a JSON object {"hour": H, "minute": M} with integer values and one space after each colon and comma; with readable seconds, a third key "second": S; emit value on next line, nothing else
{"hour": 6, "minute": 2, "second": 40}
